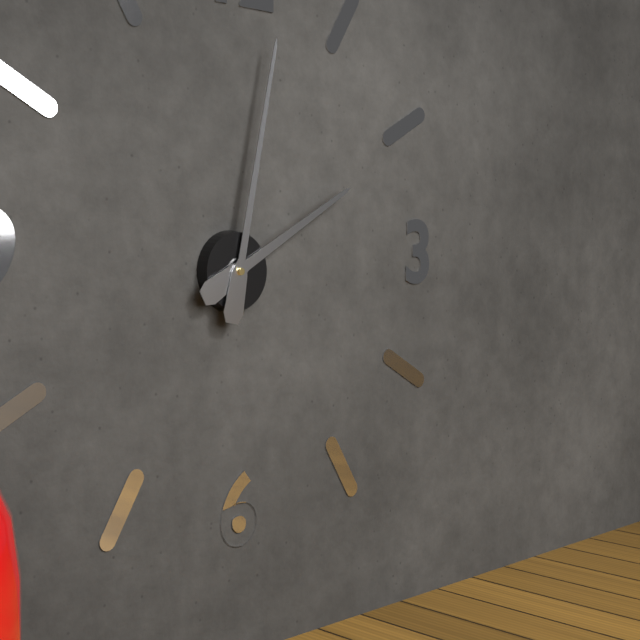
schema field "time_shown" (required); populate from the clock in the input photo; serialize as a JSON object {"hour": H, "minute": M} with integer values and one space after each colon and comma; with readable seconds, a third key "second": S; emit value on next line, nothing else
{"hour": 2, "minute": 2}
